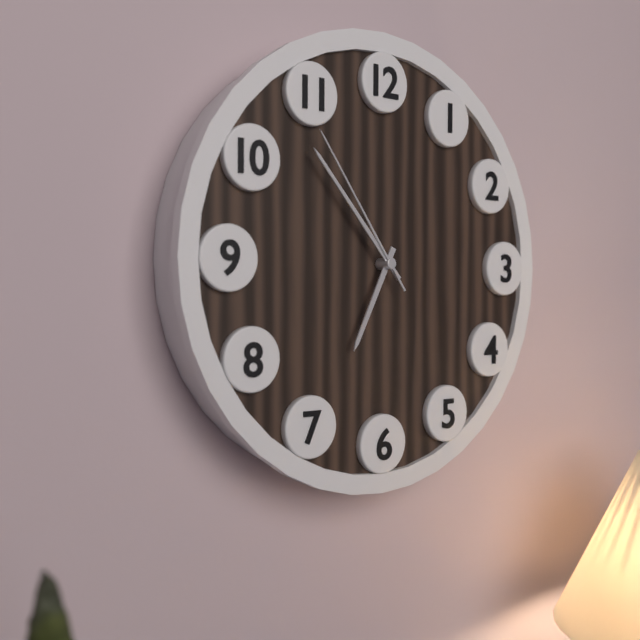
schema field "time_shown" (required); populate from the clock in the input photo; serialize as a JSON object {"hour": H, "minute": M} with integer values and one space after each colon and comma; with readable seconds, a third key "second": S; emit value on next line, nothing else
{"hour": 6, "minute": 53, "second": 54}
